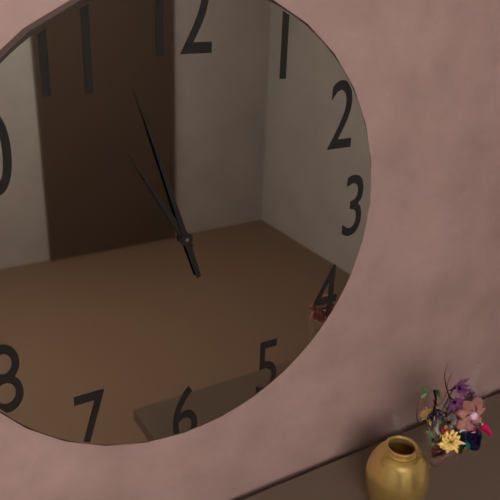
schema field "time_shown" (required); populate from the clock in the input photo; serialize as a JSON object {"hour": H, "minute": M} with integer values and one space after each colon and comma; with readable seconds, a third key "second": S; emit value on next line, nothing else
{"hour": 10, "minute": 57}
